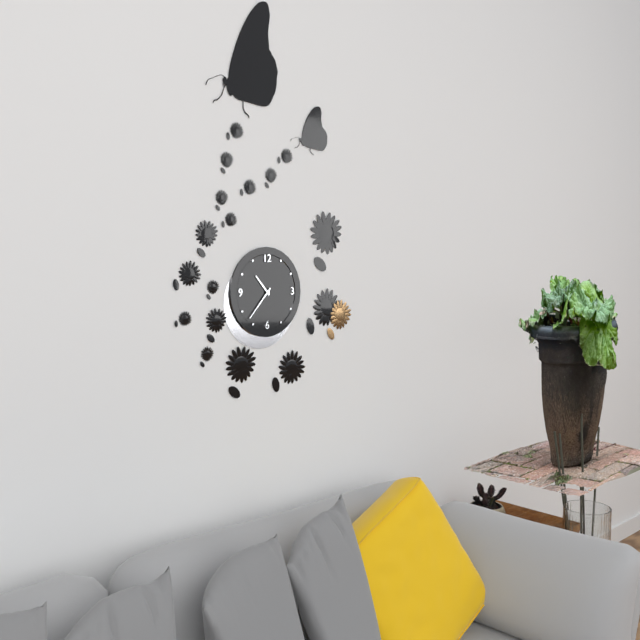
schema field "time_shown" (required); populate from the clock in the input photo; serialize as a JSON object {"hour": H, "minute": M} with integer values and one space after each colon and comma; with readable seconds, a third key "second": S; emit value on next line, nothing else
{"hour": 10, "minute": 37}
